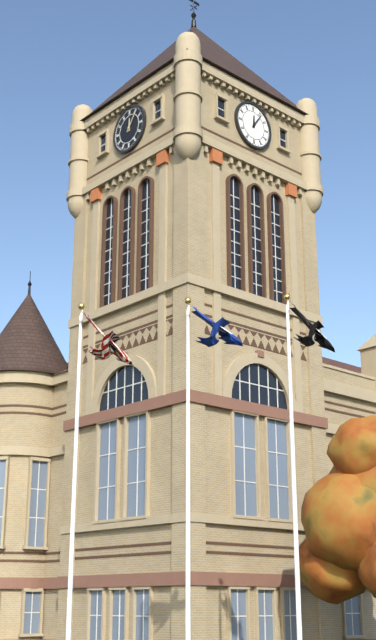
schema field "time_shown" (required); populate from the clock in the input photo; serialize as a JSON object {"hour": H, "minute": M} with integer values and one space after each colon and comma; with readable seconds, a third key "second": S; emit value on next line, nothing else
{"hour": 12, "minute": 6}
